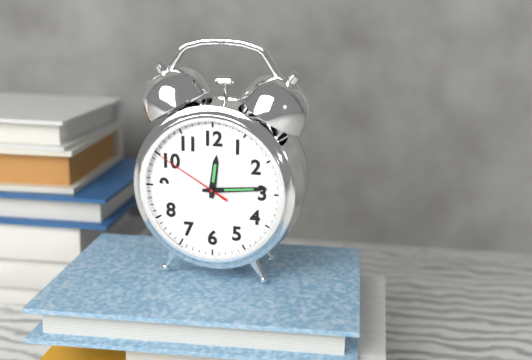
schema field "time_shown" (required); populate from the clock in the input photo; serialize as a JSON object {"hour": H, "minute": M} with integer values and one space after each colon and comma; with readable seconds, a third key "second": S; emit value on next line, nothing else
{"hour": 12, "minute": 14, "second": 50}
